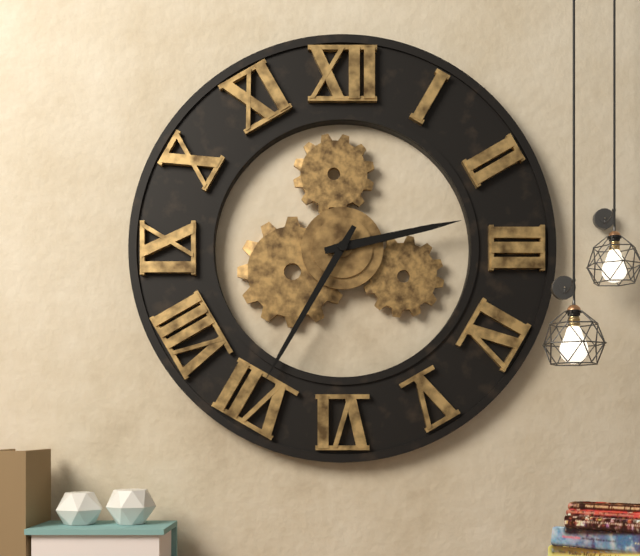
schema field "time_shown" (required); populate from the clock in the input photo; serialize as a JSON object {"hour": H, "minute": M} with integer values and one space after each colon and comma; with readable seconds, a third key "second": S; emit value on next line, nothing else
{"hour": 2, "minute": 35}
